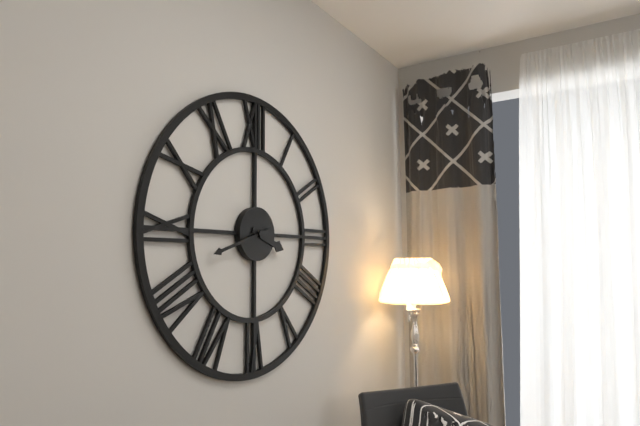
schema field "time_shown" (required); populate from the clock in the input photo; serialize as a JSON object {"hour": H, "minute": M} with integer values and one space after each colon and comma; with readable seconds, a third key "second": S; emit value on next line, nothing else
{"hour": 3, "minute": 42}
